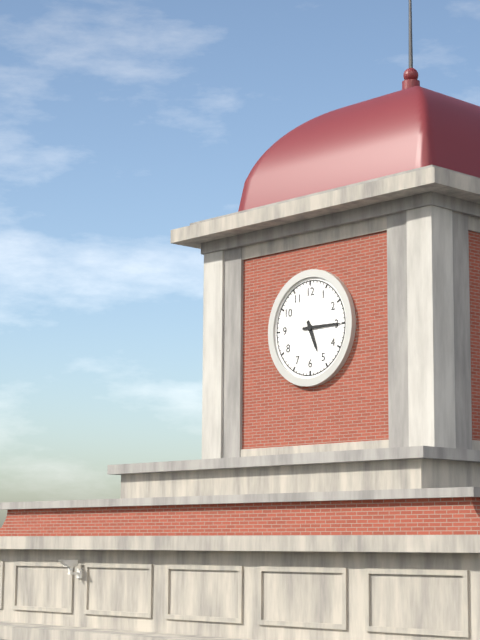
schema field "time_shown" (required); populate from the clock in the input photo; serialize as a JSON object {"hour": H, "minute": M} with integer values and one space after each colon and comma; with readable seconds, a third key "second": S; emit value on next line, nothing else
{"hour": 5, "minute": 15}
